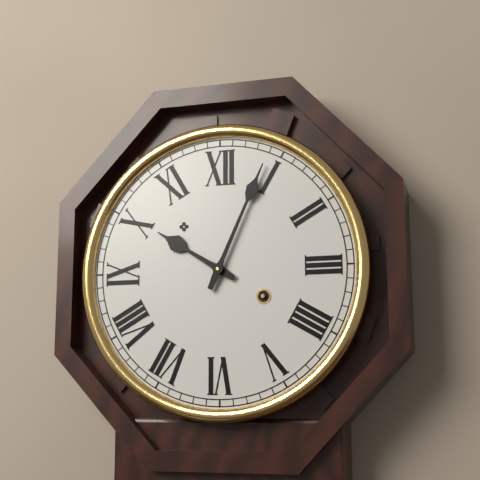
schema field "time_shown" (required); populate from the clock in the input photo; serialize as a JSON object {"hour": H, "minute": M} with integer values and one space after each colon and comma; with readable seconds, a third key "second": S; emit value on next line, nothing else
{"hour": 10, "minute": 4}
